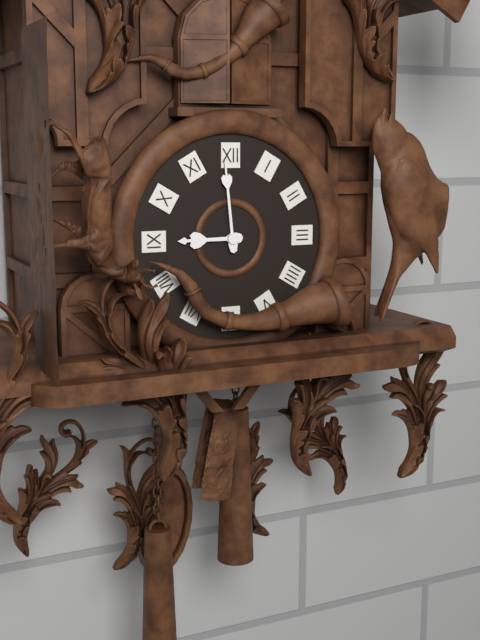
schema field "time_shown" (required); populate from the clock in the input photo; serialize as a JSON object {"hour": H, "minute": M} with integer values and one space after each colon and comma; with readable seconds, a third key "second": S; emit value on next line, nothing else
{"hour": 8, "minute": 59}
